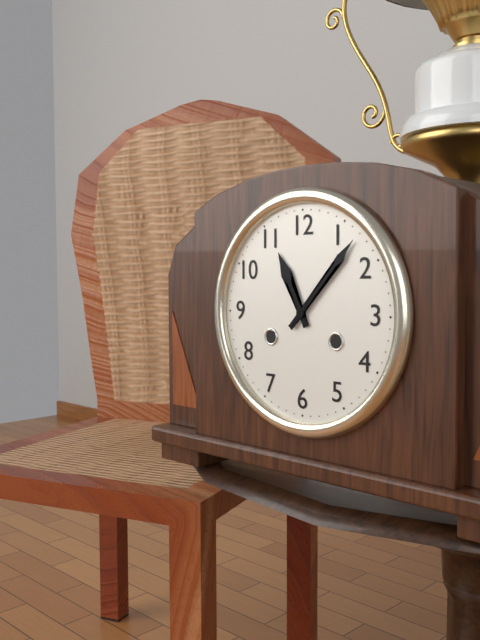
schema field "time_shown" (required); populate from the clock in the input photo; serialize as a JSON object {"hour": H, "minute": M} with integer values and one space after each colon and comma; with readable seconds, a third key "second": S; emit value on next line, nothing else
{"hour": 11, "minute": 7}
